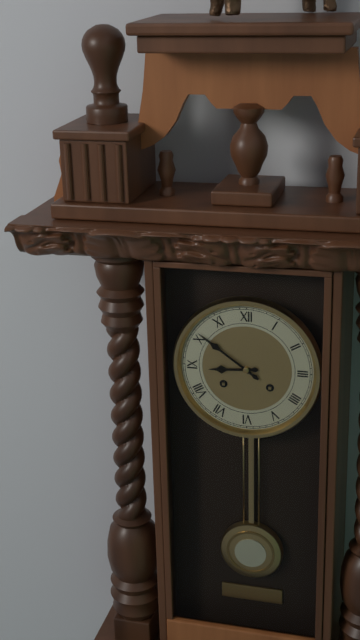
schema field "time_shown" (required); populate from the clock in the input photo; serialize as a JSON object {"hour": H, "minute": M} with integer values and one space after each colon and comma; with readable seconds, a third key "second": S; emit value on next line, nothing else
{"hour": 8, "minute": 51}
